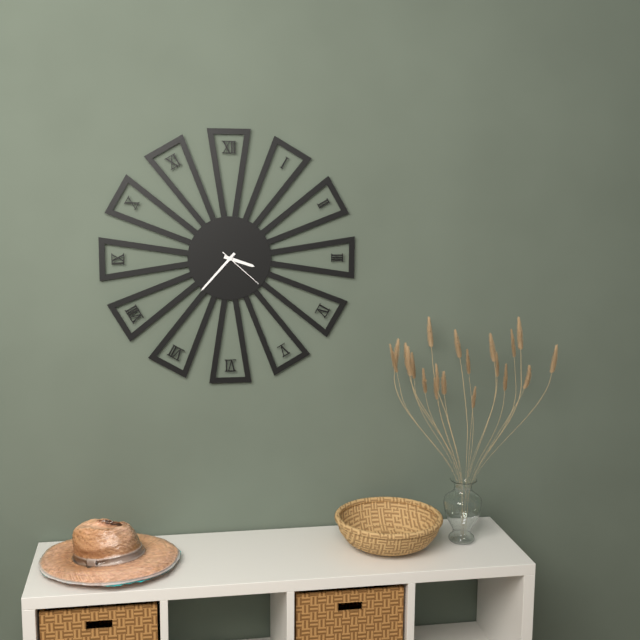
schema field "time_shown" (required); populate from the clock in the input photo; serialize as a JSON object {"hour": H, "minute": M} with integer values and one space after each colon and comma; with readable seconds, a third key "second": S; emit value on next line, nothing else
{"hour": 3, "minute": 37}
